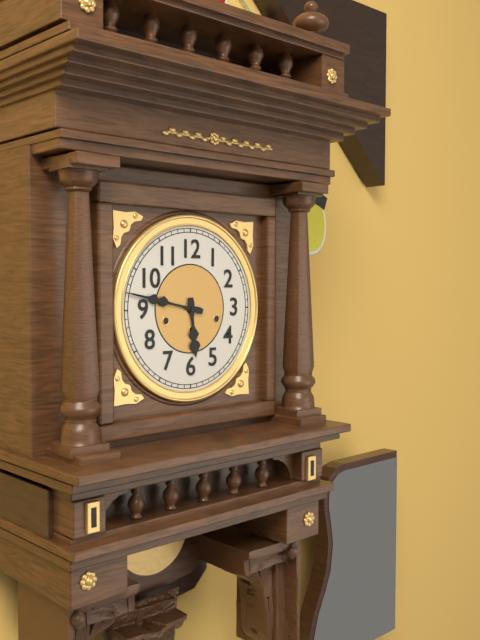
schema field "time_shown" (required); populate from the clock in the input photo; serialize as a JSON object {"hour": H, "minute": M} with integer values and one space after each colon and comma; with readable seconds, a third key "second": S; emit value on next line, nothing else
{"hour": 5, "minute": 47}
